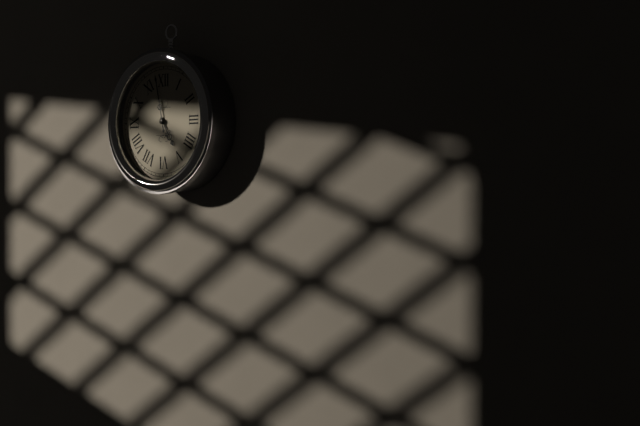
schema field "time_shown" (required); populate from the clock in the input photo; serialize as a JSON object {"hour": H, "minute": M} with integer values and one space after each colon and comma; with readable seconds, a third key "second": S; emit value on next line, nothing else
{"hour": 4, "minute": 58}
